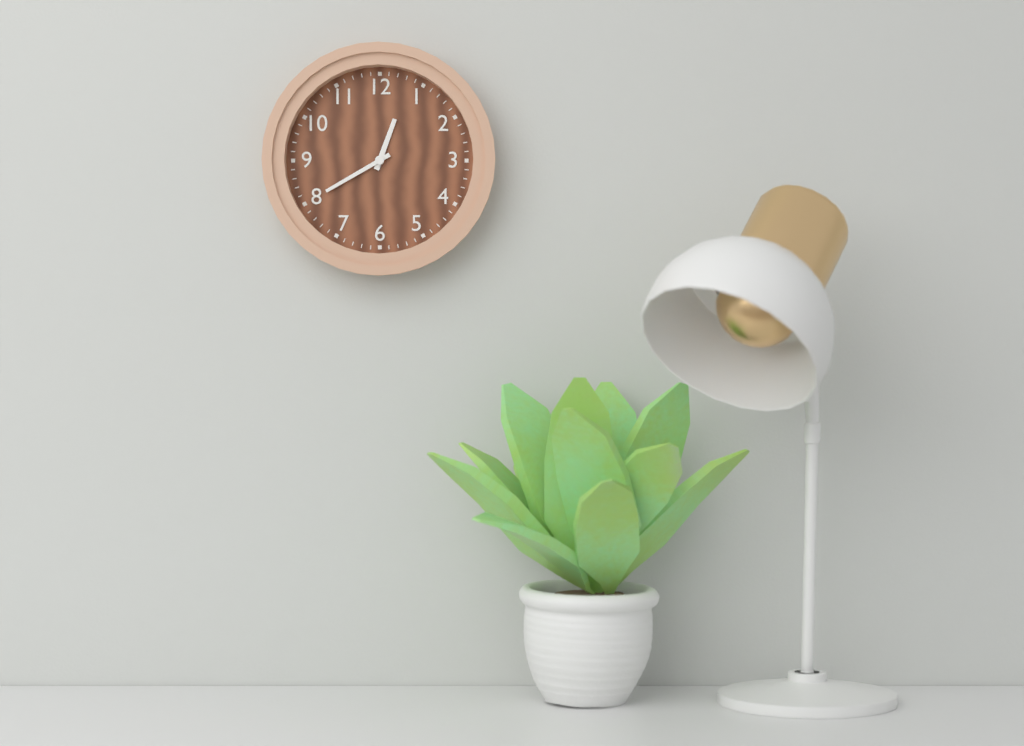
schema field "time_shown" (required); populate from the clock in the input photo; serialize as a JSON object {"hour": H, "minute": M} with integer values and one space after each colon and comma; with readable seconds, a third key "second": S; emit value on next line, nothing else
{"hour": 12, "minute": 40}
